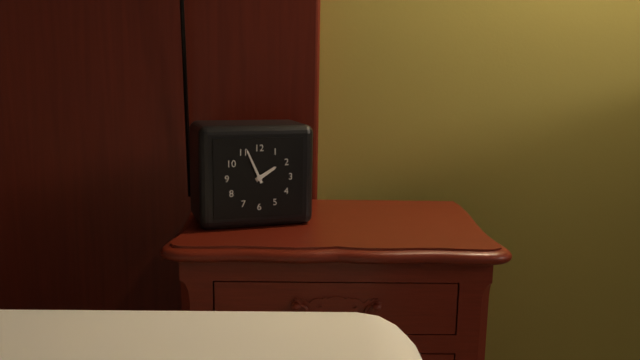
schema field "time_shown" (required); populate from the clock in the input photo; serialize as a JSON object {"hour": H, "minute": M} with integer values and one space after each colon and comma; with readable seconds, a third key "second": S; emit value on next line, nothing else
{"hour": 1, "minute": 56}
